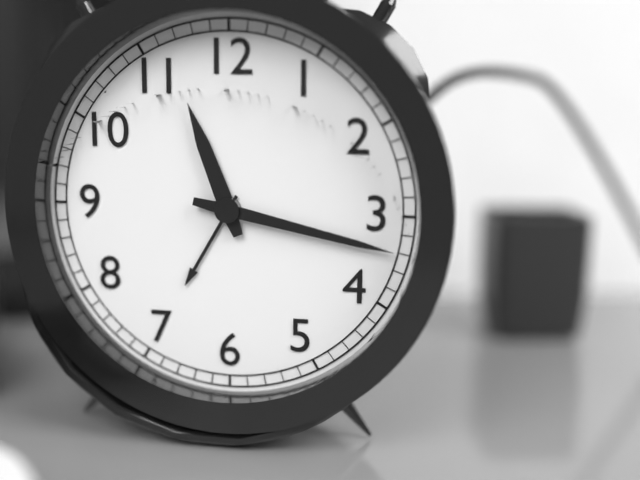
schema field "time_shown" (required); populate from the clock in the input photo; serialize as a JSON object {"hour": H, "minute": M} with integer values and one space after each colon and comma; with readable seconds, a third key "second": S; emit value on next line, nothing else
{"hour": 11, "minute": 17}
